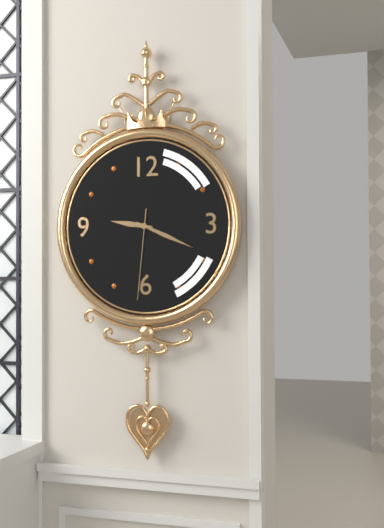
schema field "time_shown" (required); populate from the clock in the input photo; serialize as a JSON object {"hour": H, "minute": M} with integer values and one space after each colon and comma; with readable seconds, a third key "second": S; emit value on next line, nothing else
{"hour": 9, "minute": 19, "second": 31}
